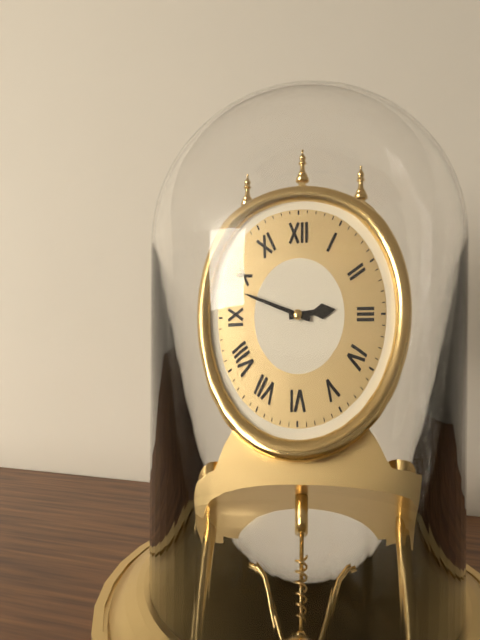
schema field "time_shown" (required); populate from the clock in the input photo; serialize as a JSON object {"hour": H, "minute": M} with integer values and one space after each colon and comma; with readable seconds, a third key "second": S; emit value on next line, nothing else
{"hour": 2, "minute": 48}
